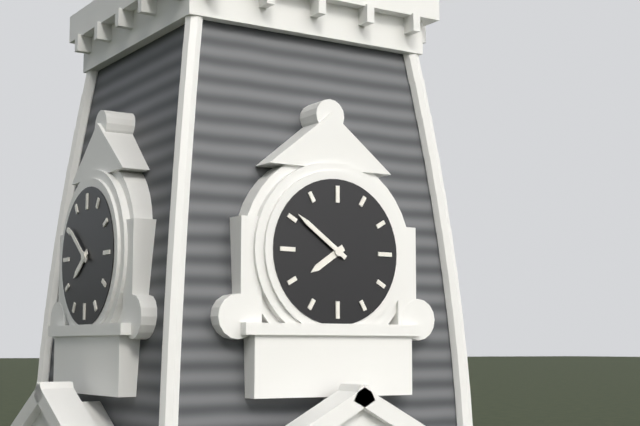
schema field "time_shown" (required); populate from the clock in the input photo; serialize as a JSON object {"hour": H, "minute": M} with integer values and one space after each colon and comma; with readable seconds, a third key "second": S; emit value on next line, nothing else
{"hour": 7, "minute": 51}
